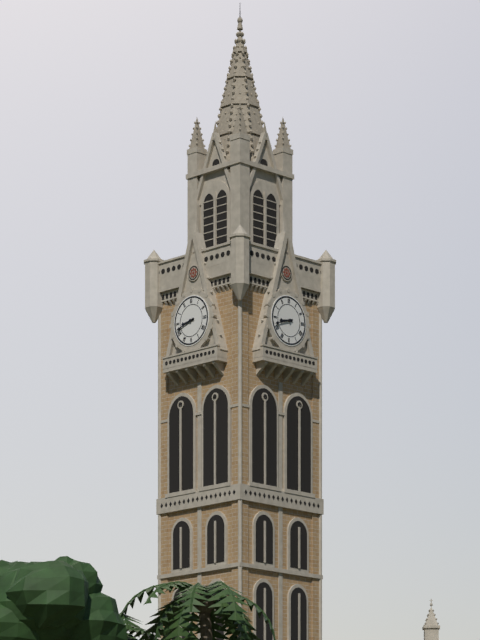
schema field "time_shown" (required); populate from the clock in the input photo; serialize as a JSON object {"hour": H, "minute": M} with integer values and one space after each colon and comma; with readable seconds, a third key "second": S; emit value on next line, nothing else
{"hour": 8, "minute": 42}
